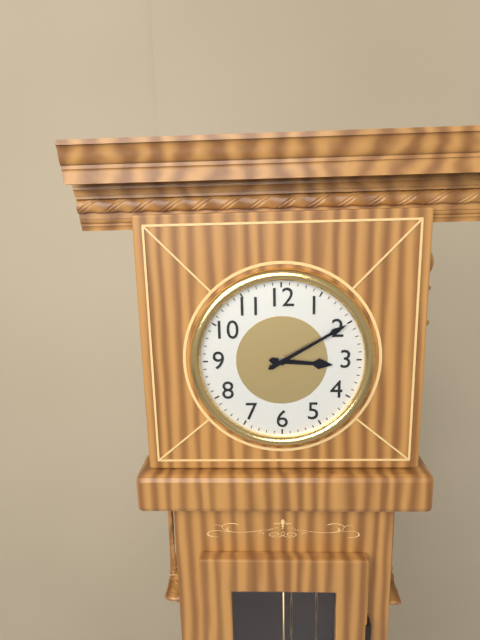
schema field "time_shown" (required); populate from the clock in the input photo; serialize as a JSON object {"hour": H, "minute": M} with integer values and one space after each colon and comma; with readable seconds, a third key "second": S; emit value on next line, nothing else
{"hour": 3, "minute": 10}
